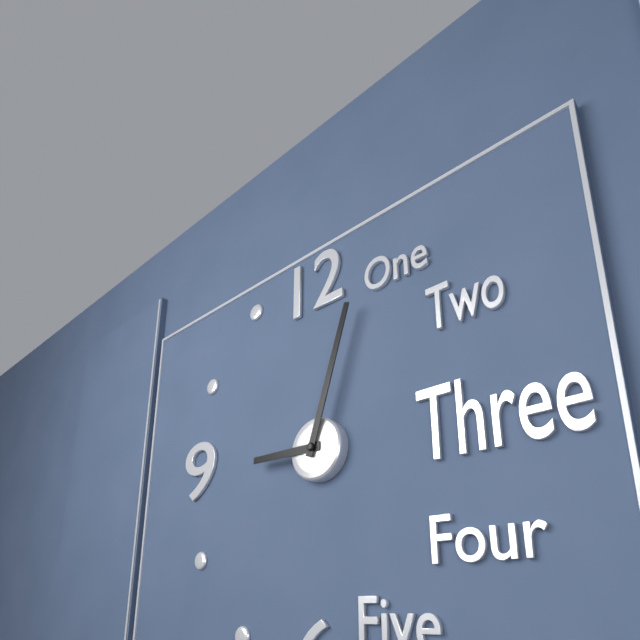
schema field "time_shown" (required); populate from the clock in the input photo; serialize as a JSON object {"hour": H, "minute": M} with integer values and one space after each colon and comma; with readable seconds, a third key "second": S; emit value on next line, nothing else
{"hour": 9, "minute": 3}
